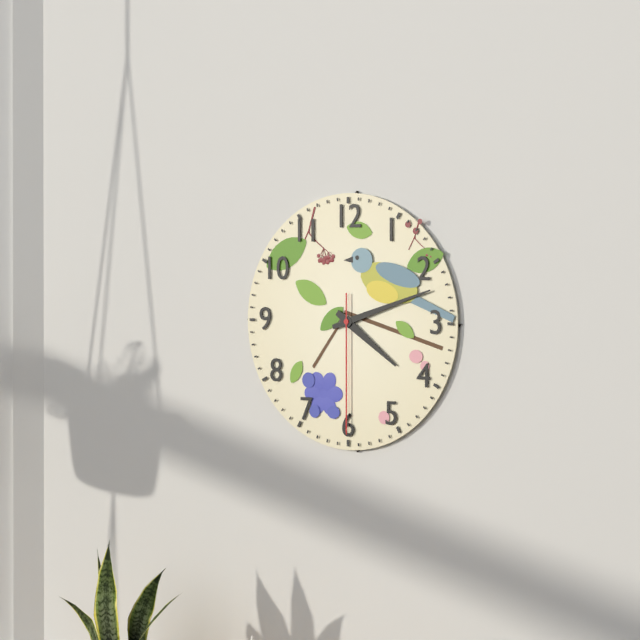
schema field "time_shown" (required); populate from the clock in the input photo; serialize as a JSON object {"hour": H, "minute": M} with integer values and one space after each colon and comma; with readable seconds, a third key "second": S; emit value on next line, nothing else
{"hour": 4, "minute": 12, "second": 30}
